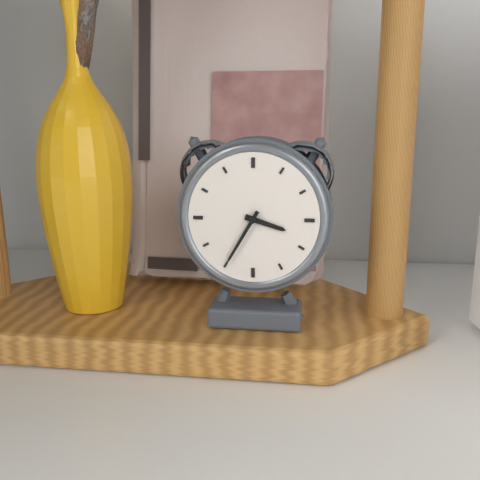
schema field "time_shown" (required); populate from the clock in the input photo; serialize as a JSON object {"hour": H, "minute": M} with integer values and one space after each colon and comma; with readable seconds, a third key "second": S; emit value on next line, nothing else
{"hour": 3, "minute": 35}
